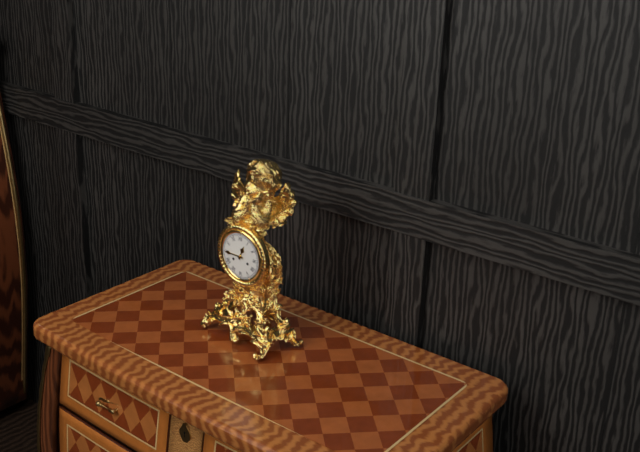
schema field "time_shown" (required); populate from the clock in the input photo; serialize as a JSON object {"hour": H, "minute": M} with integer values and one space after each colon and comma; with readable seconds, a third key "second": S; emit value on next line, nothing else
{"hour": 12, "minute": 45}
